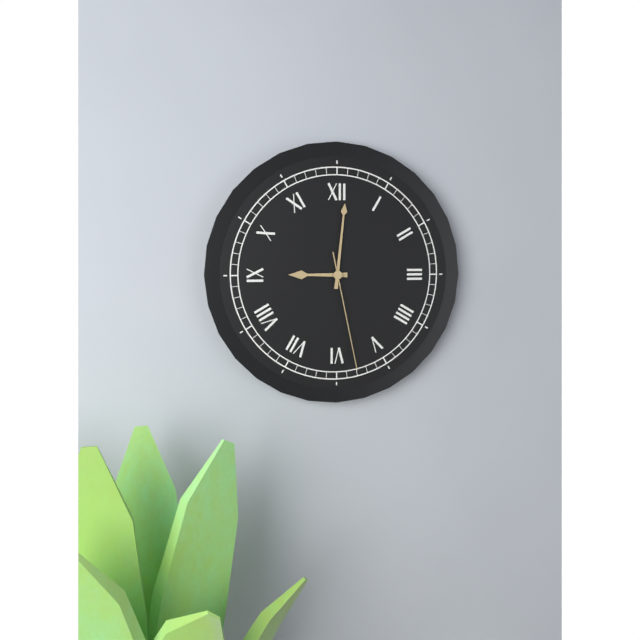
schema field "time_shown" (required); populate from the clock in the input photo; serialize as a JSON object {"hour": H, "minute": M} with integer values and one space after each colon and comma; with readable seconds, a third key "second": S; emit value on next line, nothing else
{"hour": 9, "minute": 1, "second": 28}
